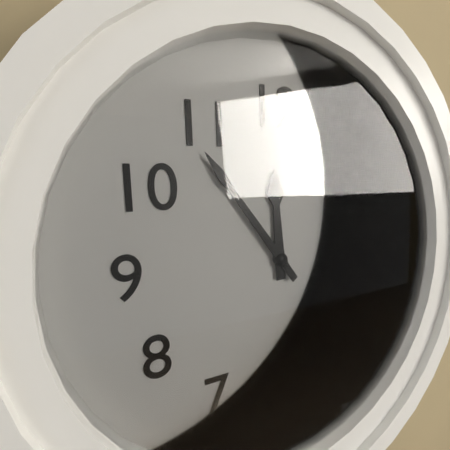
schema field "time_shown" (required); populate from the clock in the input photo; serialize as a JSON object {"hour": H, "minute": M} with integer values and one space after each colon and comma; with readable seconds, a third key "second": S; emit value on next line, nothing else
{"hour": 11, "minute": 54}
